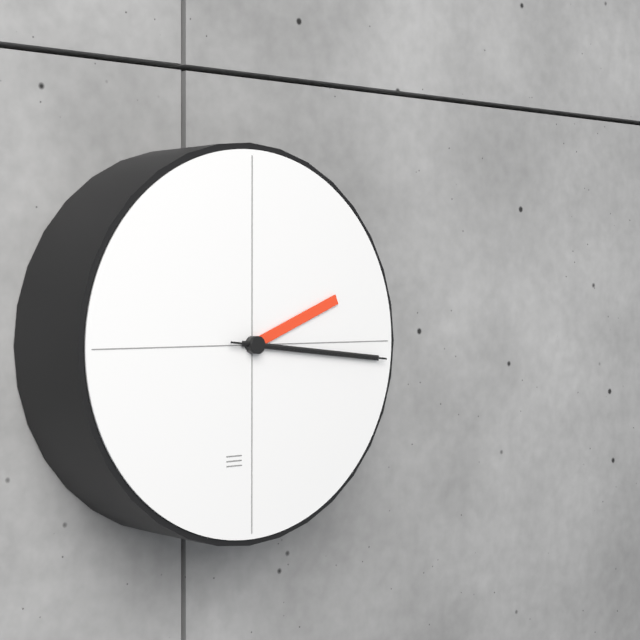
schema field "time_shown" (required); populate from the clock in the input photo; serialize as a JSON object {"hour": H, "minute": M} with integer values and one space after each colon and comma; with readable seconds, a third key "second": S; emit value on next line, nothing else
{"hour": 2, "minute": 16, "second": 16}
